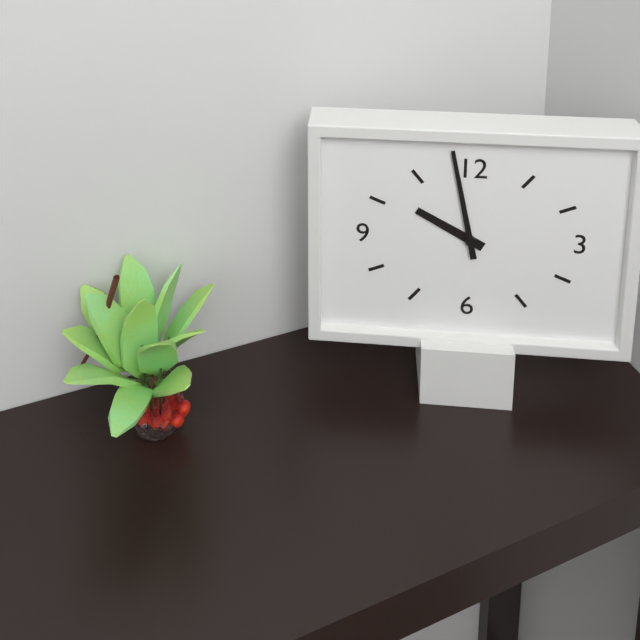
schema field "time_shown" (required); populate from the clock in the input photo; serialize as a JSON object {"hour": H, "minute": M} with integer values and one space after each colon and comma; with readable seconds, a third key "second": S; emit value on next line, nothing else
{"hour": 9, "minute": 58}
